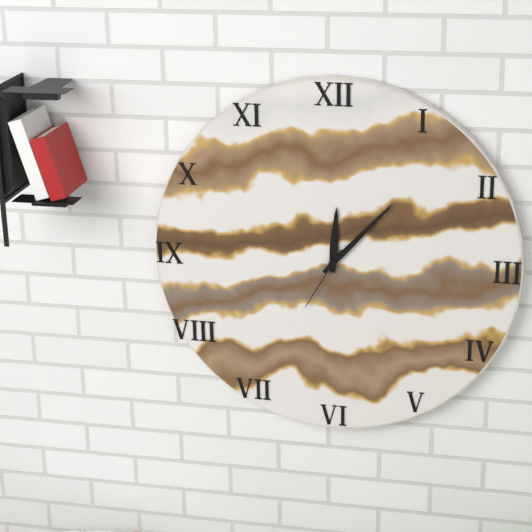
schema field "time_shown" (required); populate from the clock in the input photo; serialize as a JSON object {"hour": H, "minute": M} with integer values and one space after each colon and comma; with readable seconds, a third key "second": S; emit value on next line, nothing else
{"hour": 12, "minute": 7, "second": 35}
